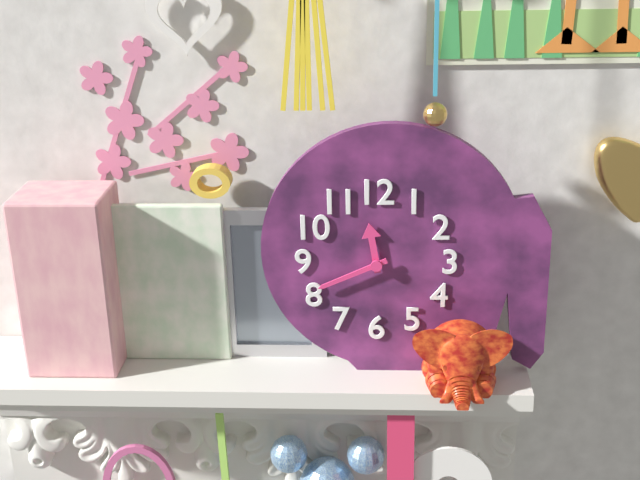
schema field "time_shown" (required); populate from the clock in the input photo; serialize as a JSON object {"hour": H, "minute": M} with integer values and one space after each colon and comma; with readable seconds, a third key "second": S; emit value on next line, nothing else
{"hour": 11, "minute": 41}
